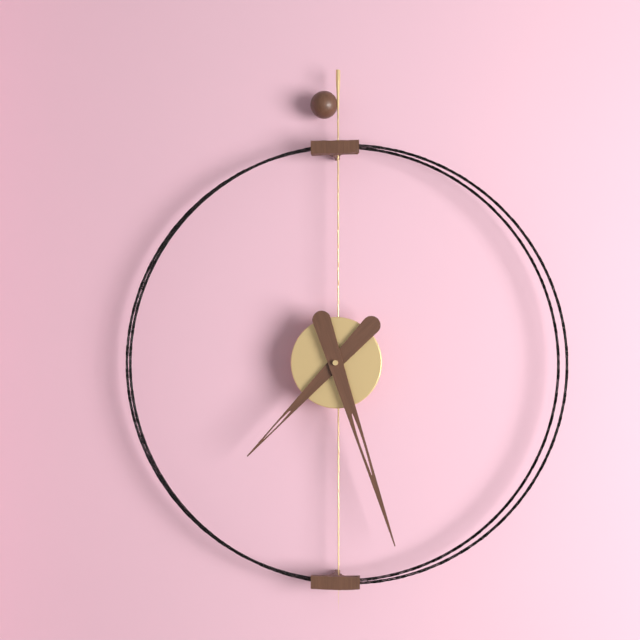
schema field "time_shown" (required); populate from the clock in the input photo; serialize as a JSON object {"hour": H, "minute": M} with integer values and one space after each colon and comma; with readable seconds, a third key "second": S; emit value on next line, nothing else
{"hour": 7, "minute": 27}
